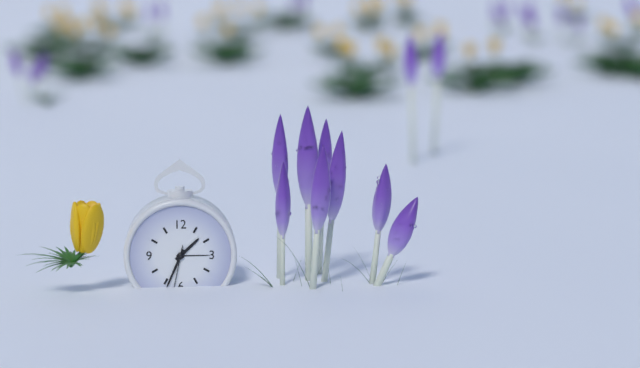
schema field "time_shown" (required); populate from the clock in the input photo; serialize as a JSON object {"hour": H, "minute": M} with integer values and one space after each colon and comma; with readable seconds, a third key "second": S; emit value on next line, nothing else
{"hour": 1, "minute": 34}
